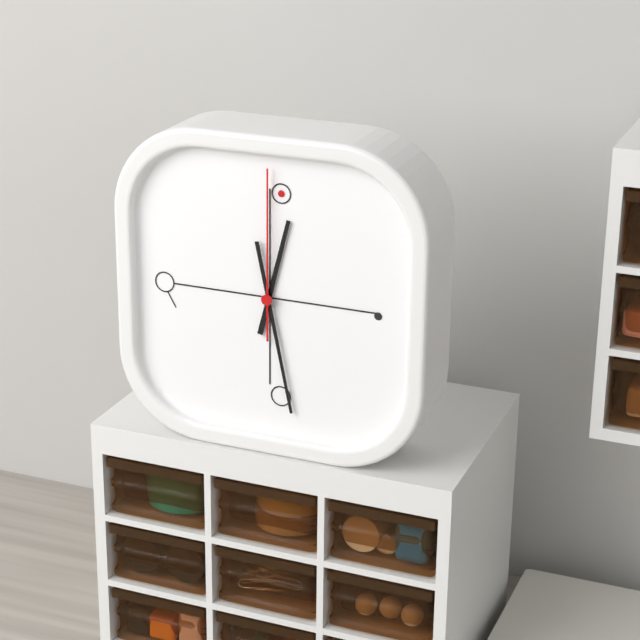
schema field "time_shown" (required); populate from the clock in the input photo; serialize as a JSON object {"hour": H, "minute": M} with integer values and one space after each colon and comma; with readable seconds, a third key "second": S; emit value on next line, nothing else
{"hour": 12, "minute": 28, "second": 0}
